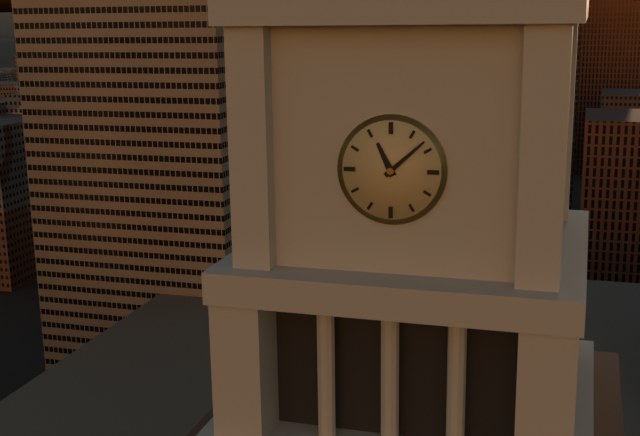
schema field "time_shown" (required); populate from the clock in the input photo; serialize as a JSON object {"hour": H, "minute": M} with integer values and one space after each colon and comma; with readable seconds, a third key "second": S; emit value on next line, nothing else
{"hour": 11, "minute": 8}
